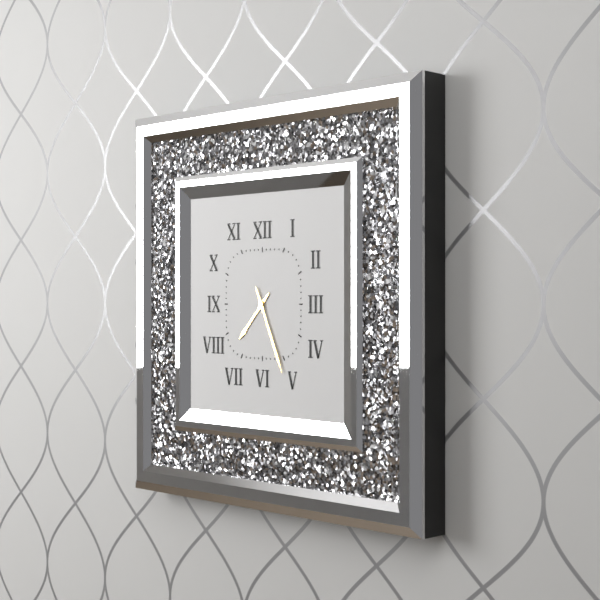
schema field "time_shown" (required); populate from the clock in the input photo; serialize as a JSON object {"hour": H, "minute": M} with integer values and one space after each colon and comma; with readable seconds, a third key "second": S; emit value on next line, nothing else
{"hour": 7, "minute": 26}
